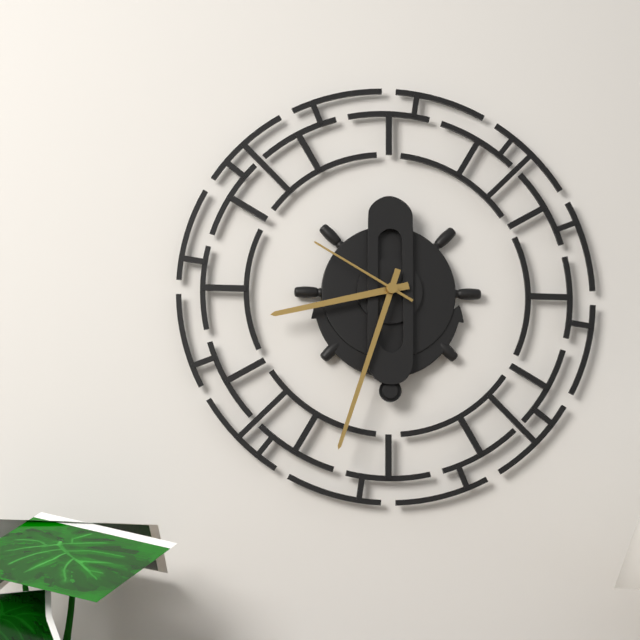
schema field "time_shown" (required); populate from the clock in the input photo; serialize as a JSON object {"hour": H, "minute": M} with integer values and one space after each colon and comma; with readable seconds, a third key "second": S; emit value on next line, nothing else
{"hour": 8, "minute": 33, "second": 50}
